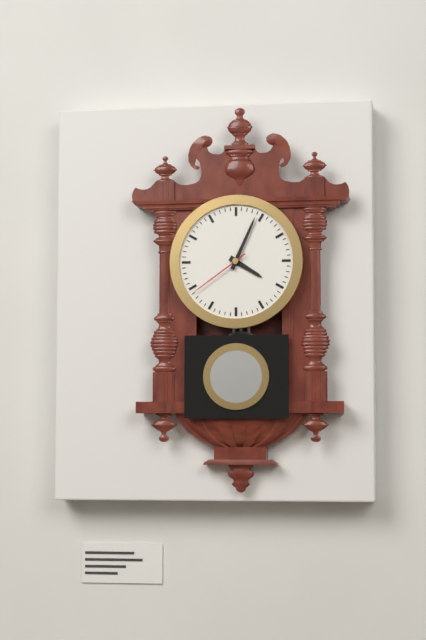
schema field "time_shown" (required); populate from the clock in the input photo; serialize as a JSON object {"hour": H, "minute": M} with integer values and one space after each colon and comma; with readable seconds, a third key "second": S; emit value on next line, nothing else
{"hour": 4, "minute": 4, "second": 39}
